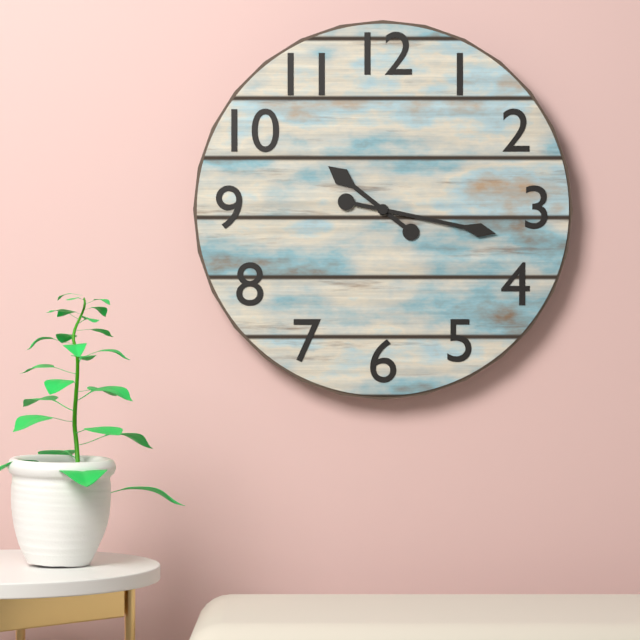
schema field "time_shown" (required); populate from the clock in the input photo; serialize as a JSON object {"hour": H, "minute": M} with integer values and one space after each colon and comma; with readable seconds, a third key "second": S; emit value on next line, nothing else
{"hour": 10, "minute": 17}
